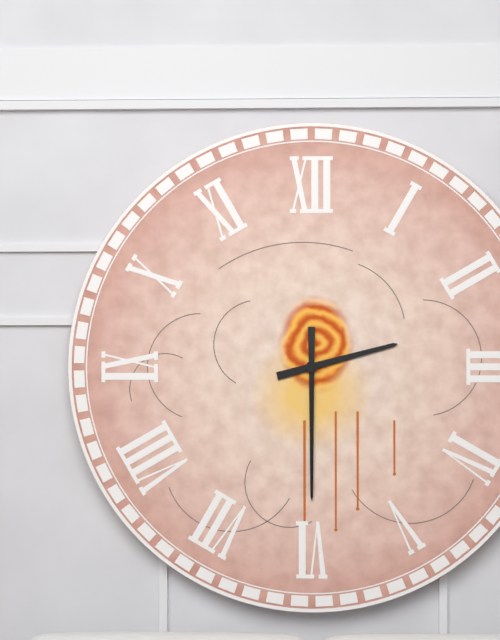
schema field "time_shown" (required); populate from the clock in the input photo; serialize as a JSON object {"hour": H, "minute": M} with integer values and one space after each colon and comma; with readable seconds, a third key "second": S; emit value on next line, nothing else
{"hour": 2, "minute": 30}
